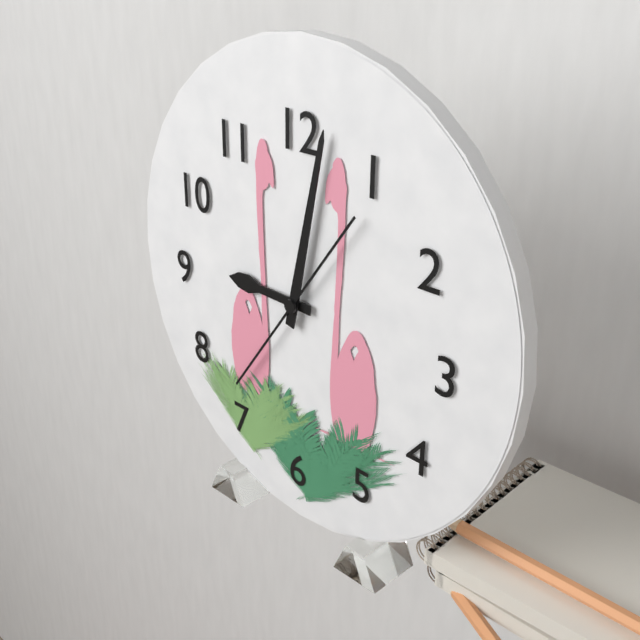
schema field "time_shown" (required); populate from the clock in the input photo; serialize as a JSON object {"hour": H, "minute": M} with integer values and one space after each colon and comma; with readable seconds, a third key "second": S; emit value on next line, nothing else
{"hour": 9, "minute": 2, "second": 36}
